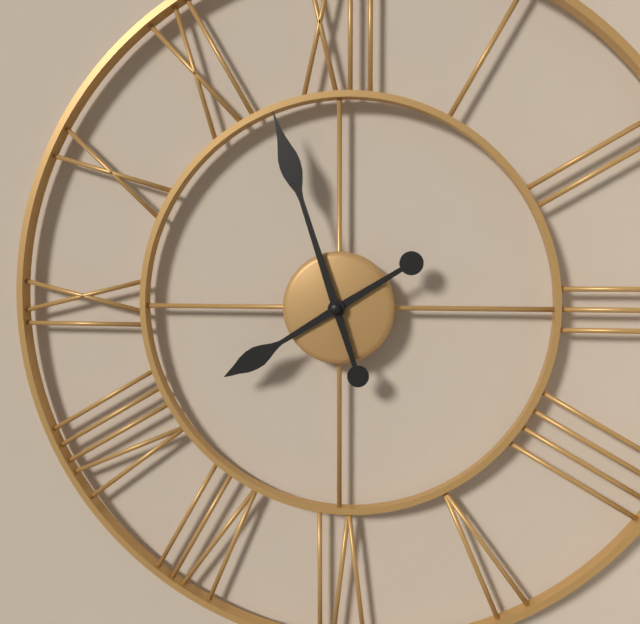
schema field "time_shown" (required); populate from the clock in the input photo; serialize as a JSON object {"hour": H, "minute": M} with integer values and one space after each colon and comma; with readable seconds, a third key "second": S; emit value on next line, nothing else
{"hour": 7, "minute": 57}
